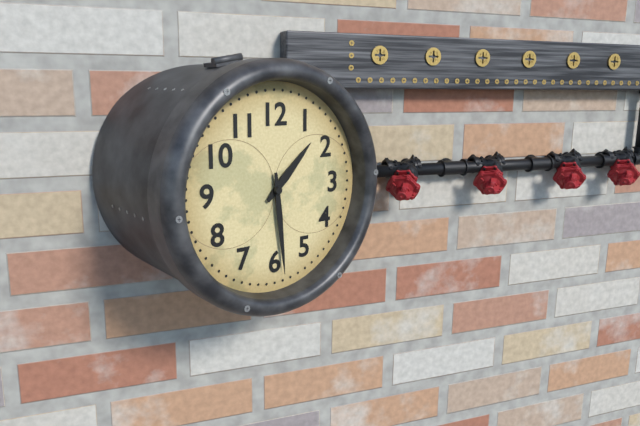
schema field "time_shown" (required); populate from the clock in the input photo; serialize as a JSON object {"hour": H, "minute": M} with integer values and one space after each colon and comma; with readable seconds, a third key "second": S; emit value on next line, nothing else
{"hour": 1, "minute": 29}
